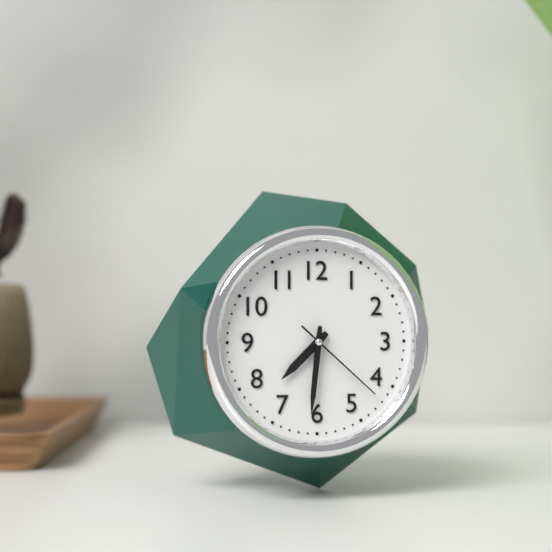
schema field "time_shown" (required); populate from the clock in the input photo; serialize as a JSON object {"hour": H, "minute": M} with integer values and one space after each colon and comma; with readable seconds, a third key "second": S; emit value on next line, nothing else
{"hour": 7, "minute": 31, "second": 22}
